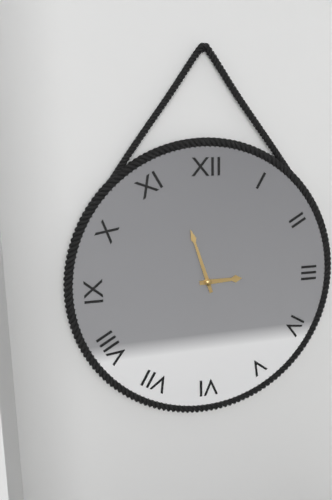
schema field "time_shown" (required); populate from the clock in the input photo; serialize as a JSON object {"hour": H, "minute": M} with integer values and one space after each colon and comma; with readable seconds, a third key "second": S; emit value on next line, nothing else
{"hour": 2, "minute": 57}
